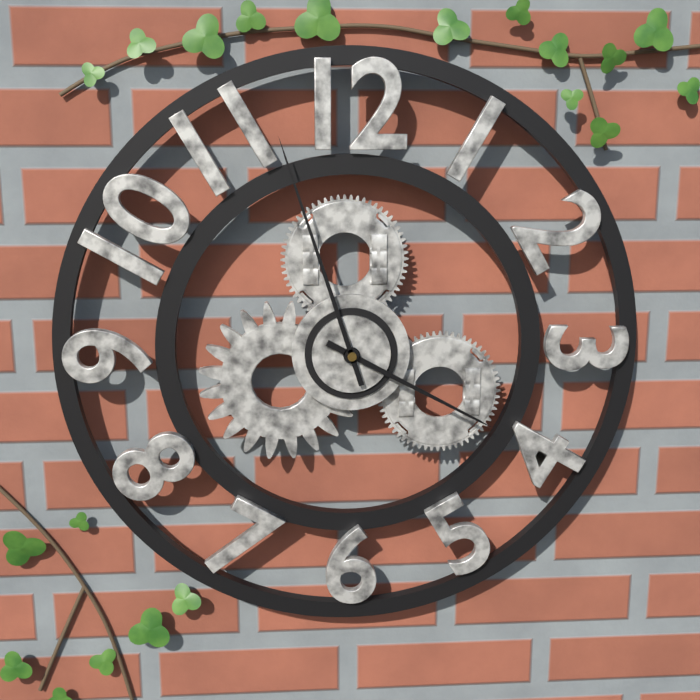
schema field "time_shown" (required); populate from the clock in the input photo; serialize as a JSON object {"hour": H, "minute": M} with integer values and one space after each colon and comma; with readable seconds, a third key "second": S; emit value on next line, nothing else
{"hour": 3, "minute": 57}
